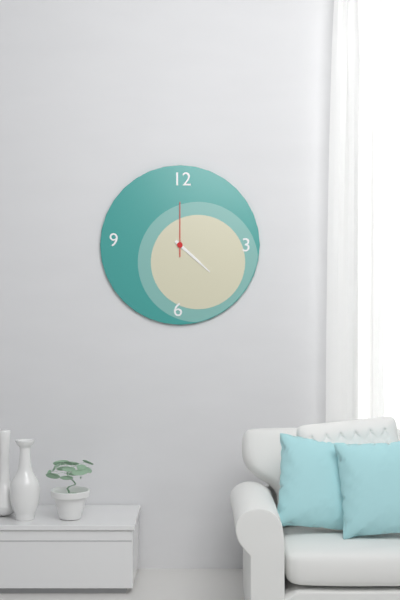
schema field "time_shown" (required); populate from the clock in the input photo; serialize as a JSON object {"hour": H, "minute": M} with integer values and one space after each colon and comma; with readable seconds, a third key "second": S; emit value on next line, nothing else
{"hour": 4, "minute": 22, "second": 0}
